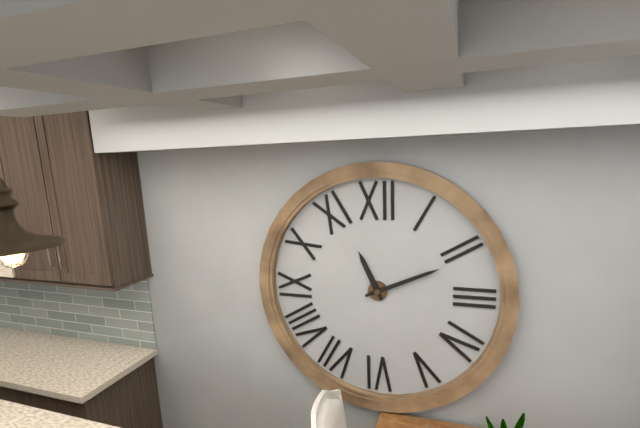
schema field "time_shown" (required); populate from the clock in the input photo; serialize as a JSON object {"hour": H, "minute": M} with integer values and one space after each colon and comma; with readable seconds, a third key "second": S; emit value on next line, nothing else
{"hour": 11, "minute": 11}
